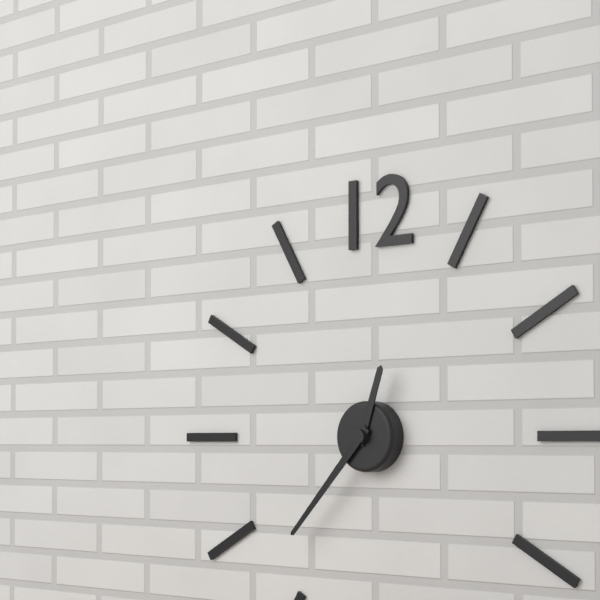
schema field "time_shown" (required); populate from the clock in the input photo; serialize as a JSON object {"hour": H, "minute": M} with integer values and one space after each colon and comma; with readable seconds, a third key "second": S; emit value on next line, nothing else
{"hour": 12, "minute": 37}
